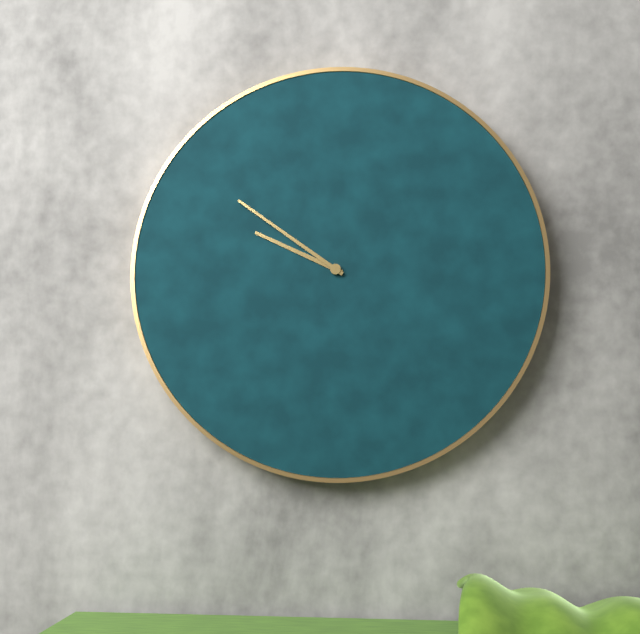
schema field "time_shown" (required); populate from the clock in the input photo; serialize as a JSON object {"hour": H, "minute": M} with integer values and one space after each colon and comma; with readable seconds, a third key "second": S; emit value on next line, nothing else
{"hour": 9, "minute": 51}
